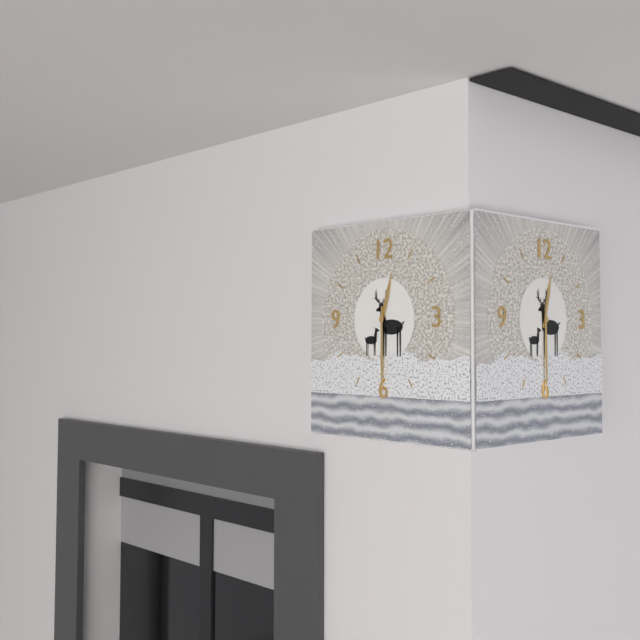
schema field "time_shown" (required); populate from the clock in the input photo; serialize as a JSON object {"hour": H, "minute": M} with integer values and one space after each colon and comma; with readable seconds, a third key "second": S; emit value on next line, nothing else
{"hour": 12, "minute": 30}
